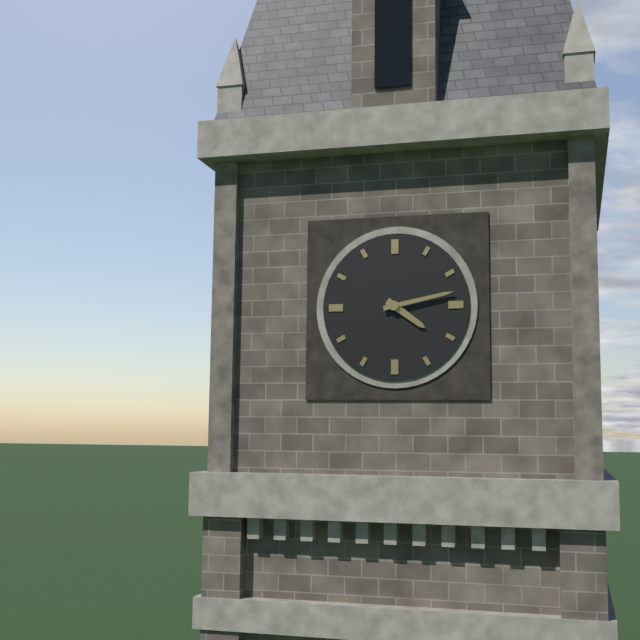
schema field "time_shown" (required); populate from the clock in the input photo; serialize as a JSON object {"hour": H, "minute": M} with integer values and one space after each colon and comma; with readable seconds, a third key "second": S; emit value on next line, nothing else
{"hour": 4, "minute": 13}
